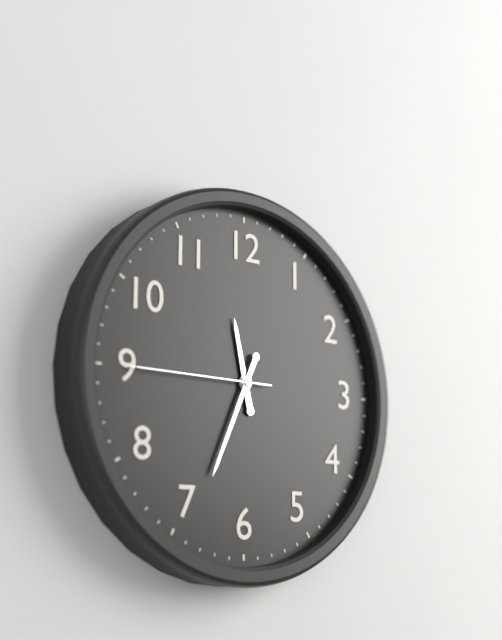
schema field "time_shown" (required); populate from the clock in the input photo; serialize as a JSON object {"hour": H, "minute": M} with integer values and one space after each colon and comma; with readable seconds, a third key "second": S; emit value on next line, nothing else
{"hour": 11, "minute": 34, "second": 45}
